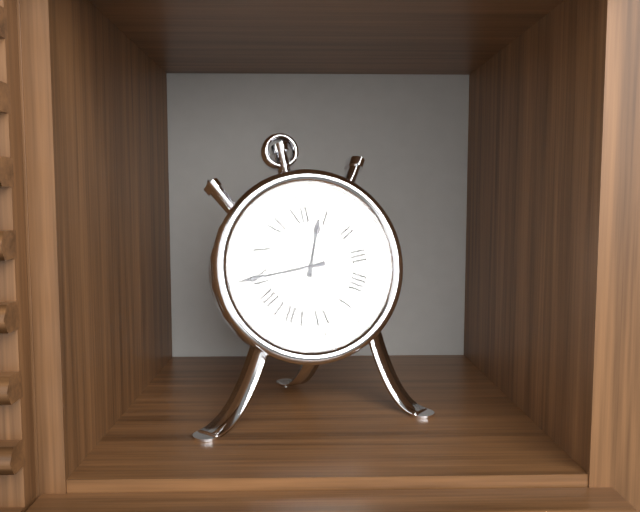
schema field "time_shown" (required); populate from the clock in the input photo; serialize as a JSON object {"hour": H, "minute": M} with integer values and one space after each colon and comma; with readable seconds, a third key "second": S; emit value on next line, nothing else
{"hour": 12, "minute": 45}
